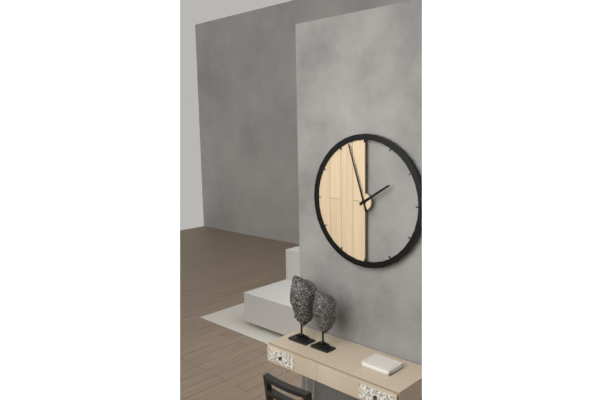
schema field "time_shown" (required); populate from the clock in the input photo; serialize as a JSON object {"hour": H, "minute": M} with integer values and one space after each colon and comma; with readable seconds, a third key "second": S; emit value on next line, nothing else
{"hour": 1, "minute": 57}
